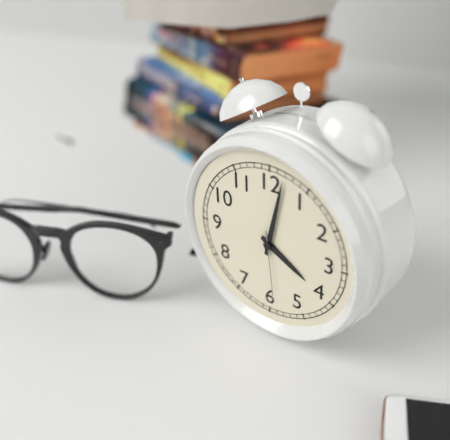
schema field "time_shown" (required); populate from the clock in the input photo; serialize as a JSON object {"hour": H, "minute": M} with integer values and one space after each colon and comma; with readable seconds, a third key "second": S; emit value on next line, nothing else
{"hour": 4, "minute": 2, "second": 29}
